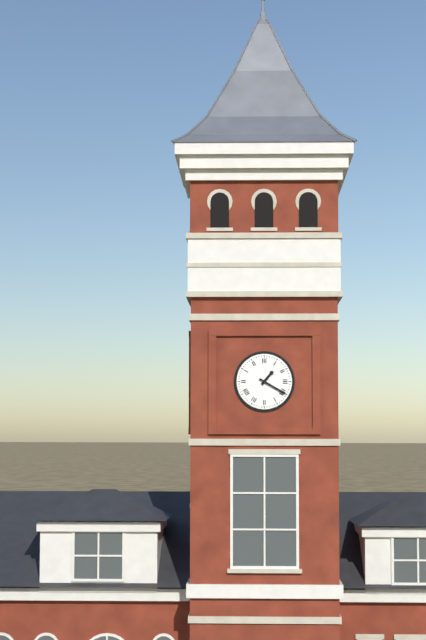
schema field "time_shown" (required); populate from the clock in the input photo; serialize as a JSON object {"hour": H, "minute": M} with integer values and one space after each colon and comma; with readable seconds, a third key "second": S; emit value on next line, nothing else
{"hour": 1, "minute": 20}
